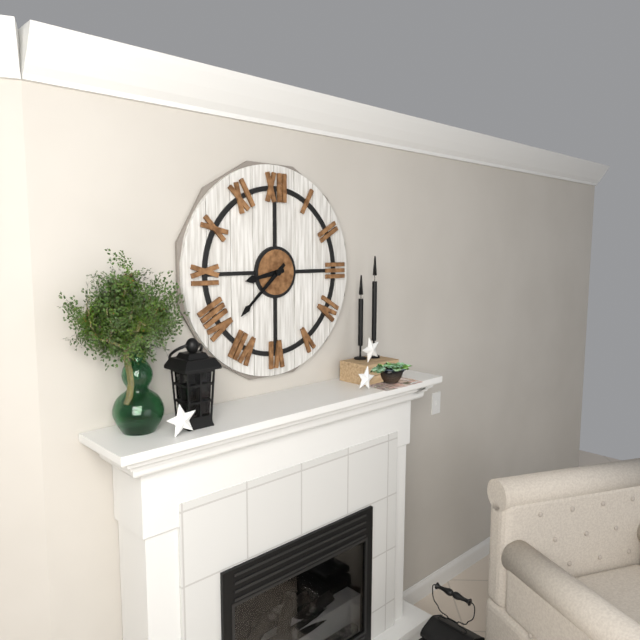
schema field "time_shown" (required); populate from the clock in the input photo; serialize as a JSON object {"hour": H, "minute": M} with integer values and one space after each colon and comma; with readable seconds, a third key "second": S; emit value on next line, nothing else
{"hour": 8, "minute": 38}
